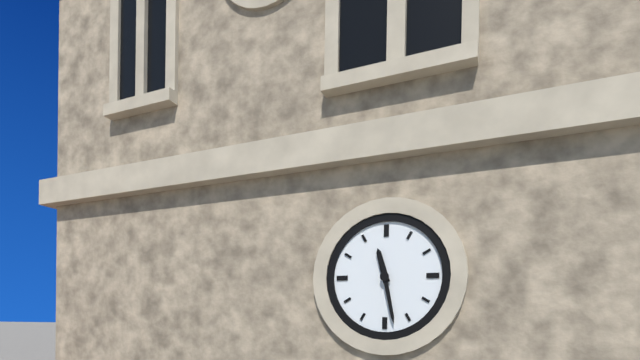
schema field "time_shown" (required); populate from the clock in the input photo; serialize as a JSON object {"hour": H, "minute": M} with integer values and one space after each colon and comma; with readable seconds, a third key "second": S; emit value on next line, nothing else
{"hour": 11, "minute": 28}
